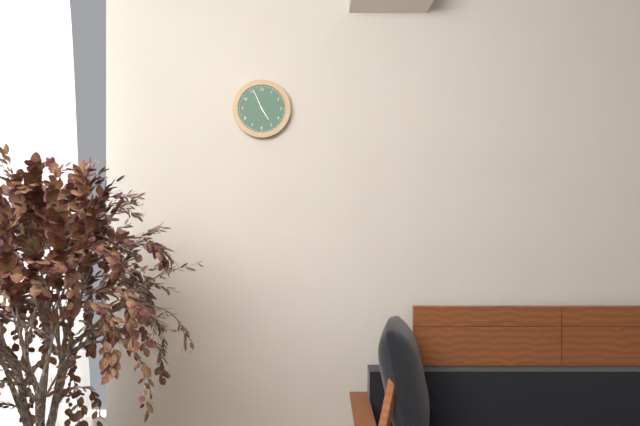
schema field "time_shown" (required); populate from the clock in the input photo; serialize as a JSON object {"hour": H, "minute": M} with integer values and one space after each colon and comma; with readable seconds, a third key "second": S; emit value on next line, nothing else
{"hour": 4, "minute": 56}
